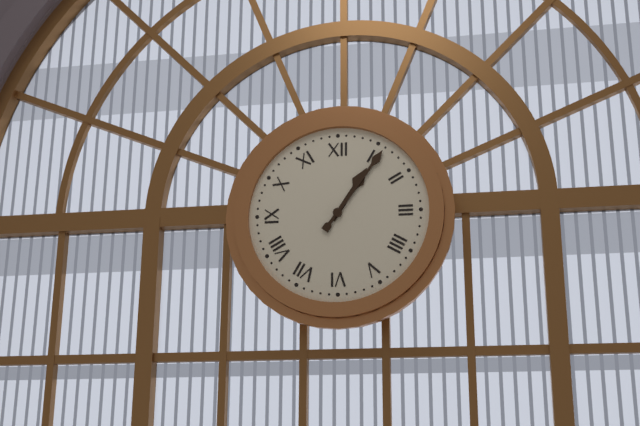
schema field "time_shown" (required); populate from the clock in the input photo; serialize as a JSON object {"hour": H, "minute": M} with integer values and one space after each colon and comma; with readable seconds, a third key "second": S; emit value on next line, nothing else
{"hour": 1, "minute": 6}
